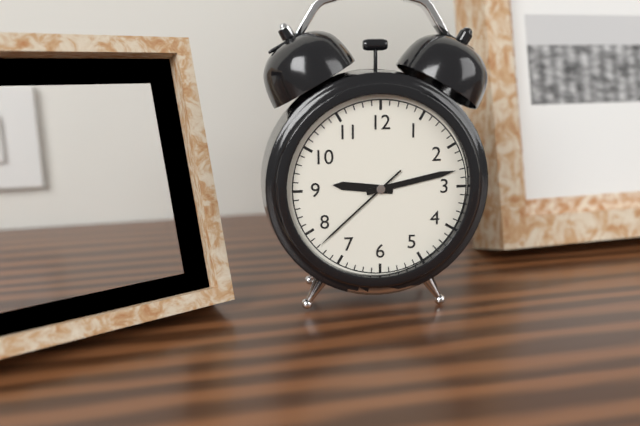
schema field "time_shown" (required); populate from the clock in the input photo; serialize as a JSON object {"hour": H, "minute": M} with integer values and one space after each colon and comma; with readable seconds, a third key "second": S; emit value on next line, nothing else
{"hour": 9, "minute": 13, "second": 38}
